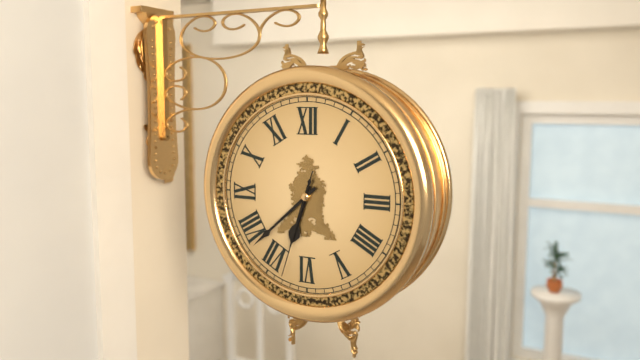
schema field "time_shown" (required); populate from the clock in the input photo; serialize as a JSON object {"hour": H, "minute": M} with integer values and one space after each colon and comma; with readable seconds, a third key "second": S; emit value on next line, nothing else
{"hour": 6, "minute": 38, "second": 33}
